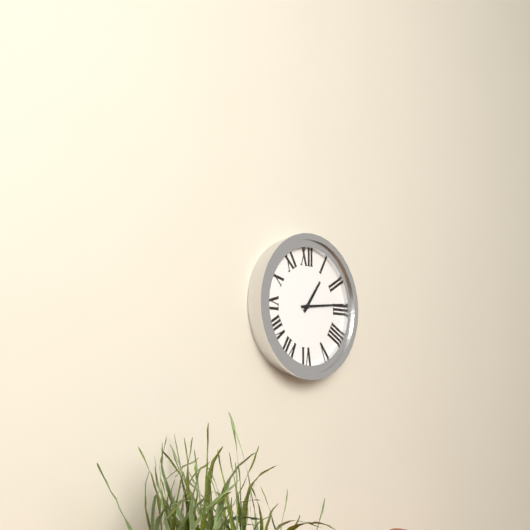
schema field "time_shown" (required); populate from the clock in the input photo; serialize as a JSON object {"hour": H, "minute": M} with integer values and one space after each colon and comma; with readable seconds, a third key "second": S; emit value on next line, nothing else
{"hour": 1, "minute": 14}
